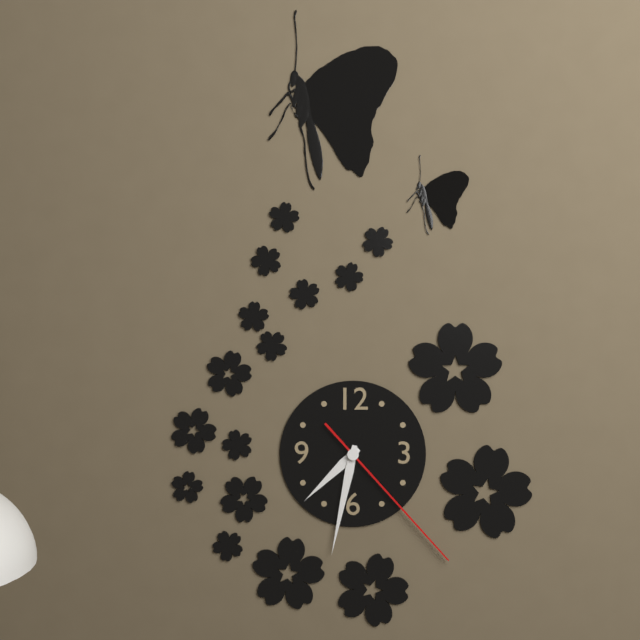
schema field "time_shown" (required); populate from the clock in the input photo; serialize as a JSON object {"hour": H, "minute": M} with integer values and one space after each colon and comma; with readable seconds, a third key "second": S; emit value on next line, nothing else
{"hour": 7, "minute": 32, "second": 23}
